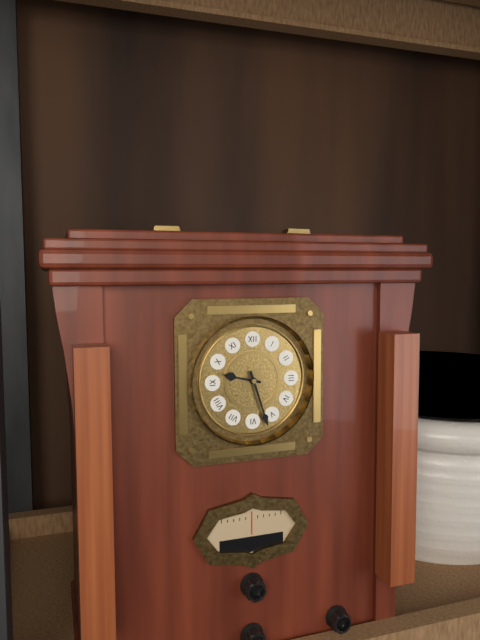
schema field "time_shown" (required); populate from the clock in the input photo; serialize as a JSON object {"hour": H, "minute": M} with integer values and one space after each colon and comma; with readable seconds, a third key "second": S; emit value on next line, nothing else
{"hour": 9, "minute": 27}
